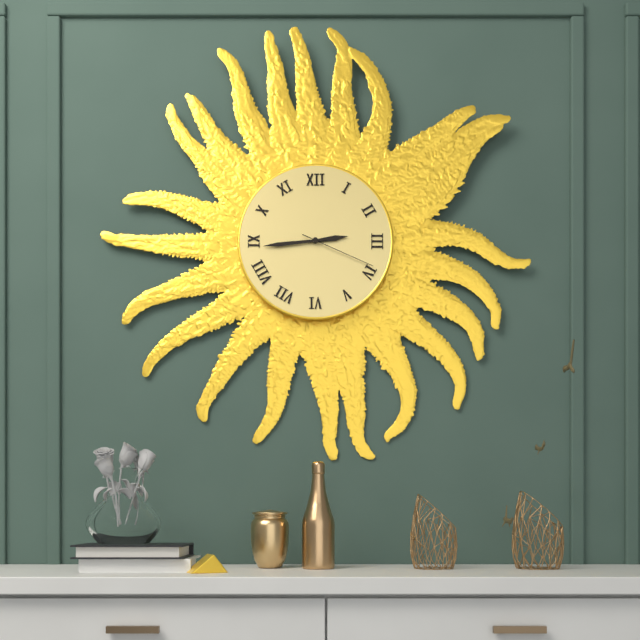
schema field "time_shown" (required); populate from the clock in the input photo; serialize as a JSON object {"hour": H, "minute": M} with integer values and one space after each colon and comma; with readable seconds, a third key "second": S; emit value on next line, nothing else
{"hour": 2, "minute": 44, "second": 19}
